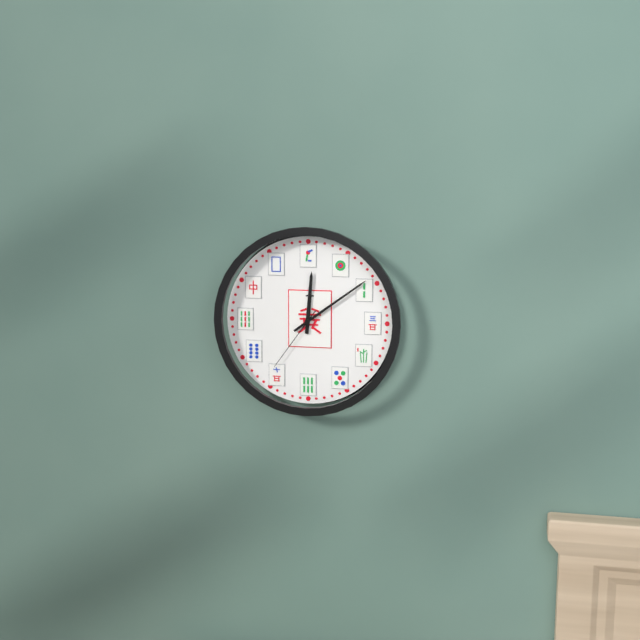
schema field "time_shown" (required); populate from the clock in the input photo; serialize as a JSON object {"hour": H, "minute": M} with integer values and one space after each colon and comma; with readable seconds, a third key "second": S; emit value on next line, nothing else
{"hour": 12, "minute": 9, "second": 36}
